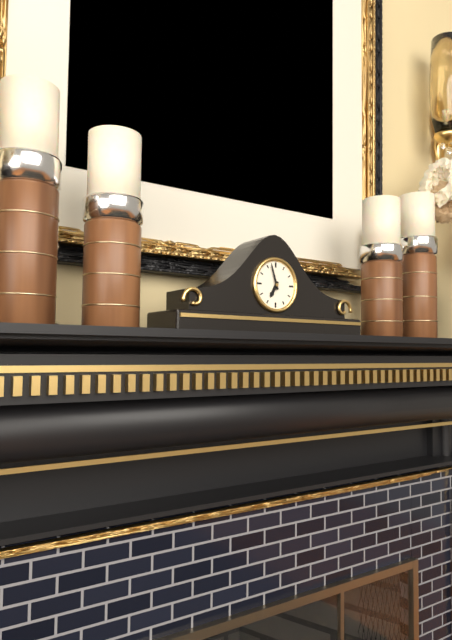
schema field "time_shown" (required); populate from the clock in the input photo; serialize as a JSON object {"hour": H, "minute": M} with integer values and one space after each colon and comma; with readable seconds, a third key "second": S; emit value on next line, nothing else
{"hour": 6, "minute": 57}
